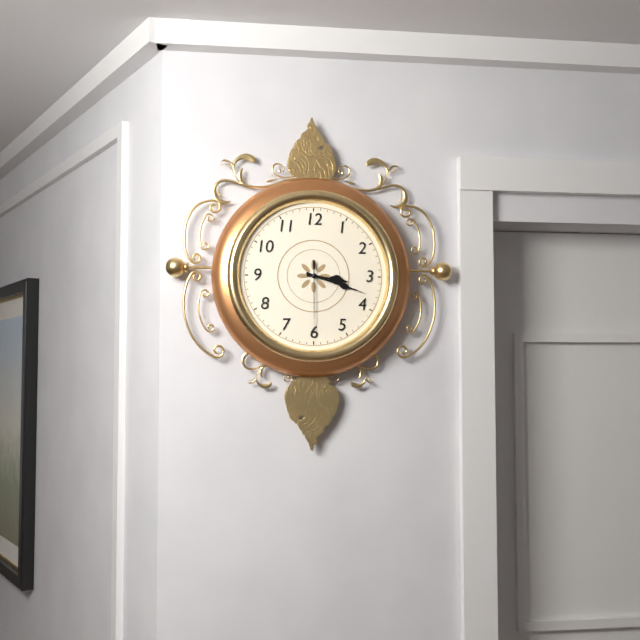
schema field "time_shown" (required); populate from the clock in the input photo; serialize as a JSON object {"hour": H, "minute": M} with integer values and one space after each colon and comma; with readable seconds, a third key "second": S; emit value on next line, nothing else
{"hour": 3, "minute": 18, "second": 30}
